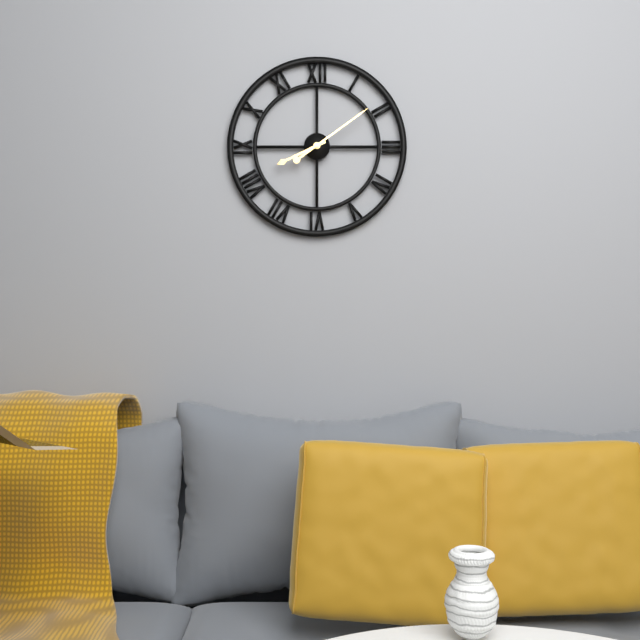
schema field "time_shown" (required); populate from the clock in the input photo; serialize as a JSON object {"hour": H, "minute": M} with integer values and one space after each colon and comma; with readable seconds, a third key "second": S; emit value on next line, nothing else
{"hour": 8, "minute": 9}
